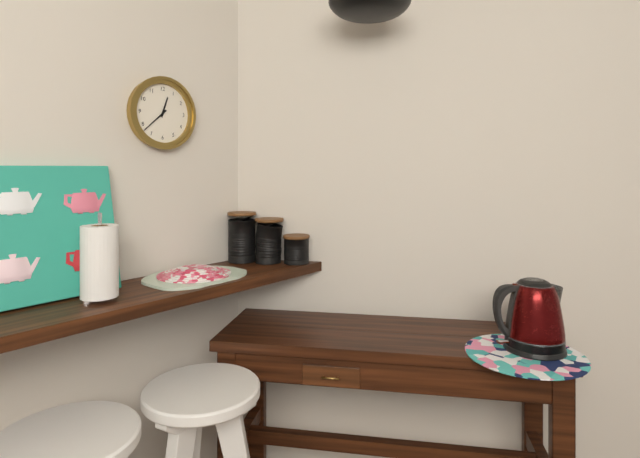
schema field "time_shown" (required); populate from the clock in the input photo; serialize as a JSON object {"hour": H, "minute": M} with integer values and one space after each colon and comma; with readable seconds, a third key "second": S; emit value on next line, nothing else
{"hour": 12, "minute": 38}
